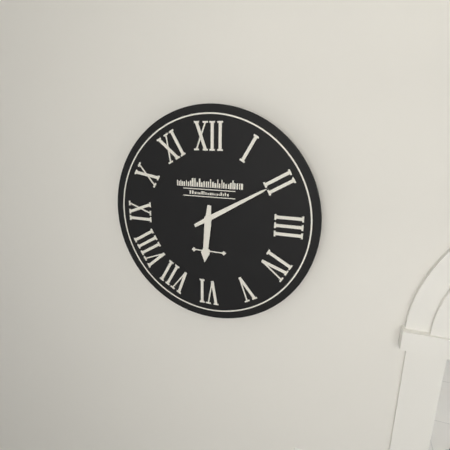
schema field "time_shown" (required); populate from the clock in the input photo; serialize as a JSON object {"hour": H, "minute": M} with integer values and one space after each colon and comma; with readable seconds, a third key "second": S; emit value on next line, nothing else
{"hour": 6, "minute": 10}
